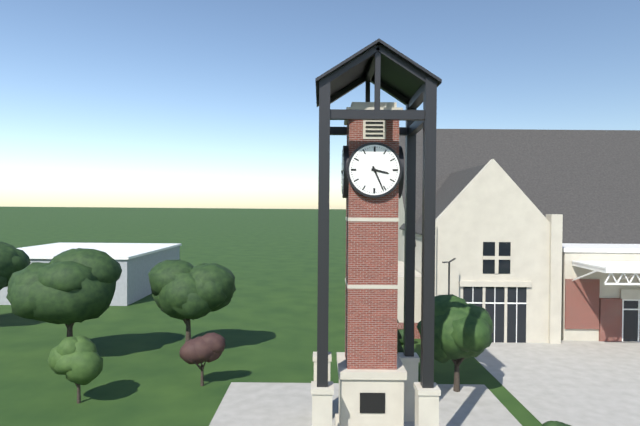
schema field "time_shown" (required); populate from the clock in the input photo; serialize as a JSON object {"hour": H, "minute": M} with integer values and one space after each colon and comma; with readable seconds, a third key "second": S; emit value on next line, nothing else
{"hour": 3, "minute": 26}
